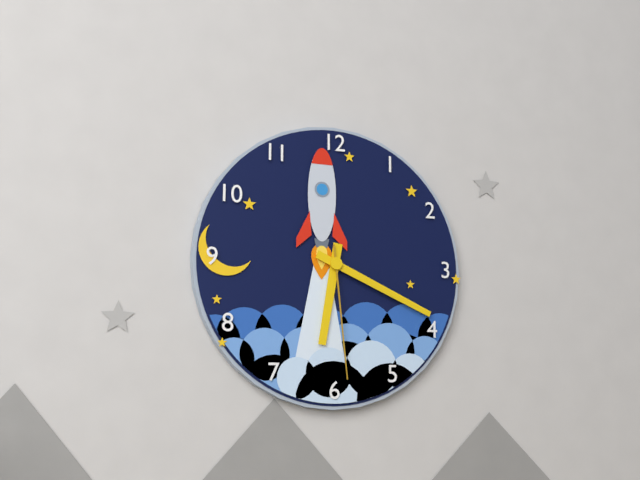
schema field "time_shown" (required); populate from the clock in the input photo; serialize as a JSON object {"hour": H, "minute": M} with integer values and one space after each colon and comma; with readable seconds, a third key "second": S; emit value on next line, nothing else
{"hour": 6, "minute": 19, "second": 29}
